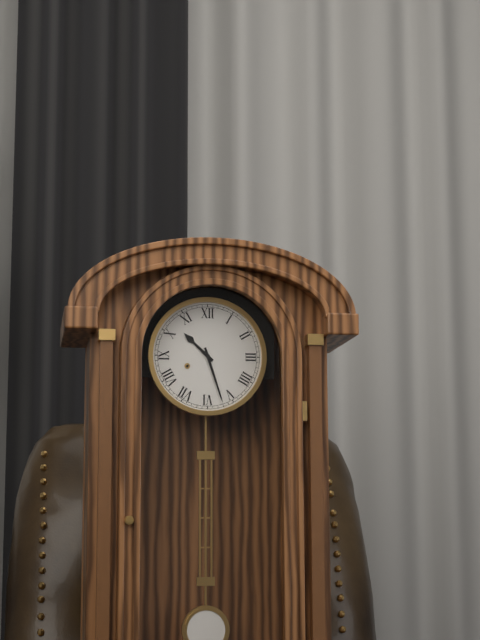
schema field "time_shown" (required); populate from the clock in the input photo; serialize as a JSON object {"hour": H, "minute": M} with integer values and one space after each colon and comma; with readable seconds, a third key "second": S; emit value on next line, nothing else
{"hour": 10, "minute": 27}
